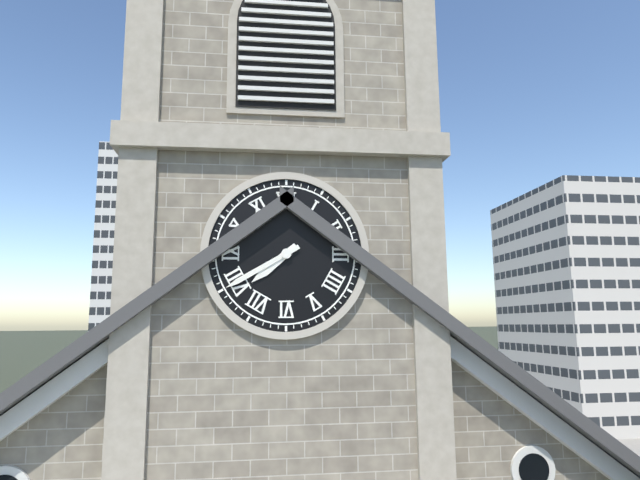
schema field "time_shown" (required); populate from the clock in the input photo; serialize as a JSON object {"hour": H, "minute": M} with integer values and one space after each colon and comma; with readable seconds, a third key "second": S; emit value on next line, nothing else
{"hour": 7, "minute": 40}
